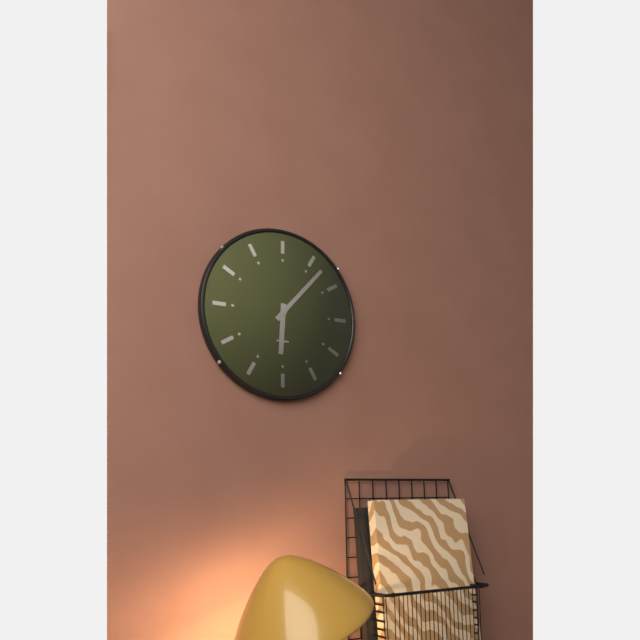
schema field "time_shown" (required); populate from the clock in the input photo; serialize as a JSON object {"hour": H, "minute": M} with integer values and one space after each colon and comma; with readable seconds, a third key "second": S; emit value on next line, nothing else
{"hour": 6, "minute": 7}
